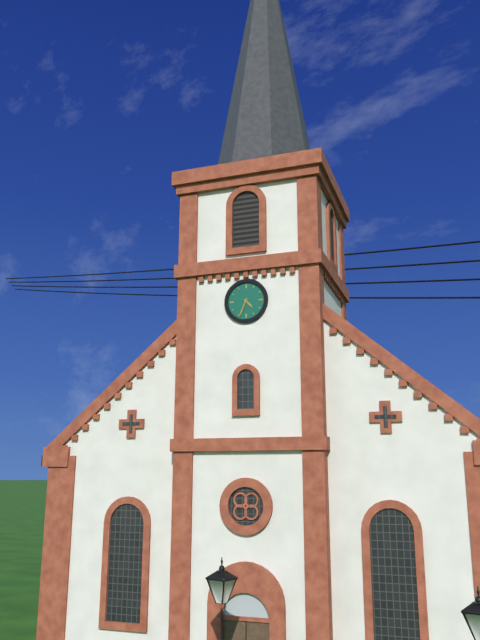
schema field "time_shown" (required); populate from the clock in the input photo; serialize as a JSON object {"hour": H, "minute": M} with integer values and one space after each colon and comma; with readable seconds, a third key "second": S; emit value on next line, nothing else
{"hour": 4, "minute": 34}
